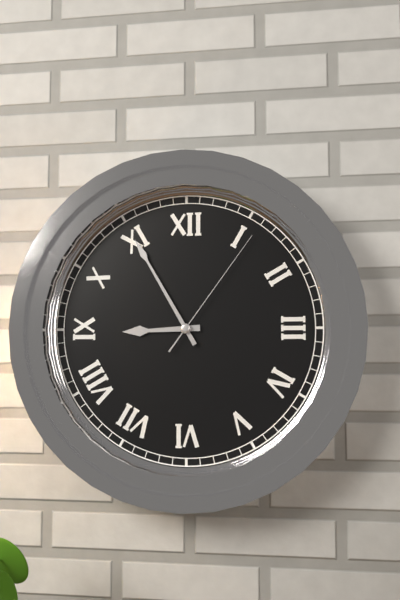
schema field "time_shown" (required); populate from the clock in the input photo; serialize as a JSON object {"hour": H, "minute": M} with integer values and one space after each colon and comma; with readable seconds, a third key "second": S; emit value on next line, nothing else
{"hour": 8, "minute": 55, "second": 6}
